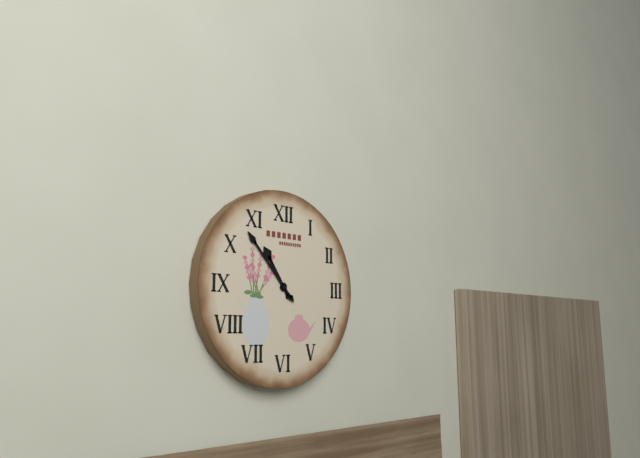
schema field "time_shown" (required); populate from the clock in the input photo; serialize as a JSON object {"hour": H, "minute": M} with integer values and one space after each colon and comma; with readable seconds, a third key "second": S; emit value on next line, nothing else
{"hour": 10, "minute": 53}
